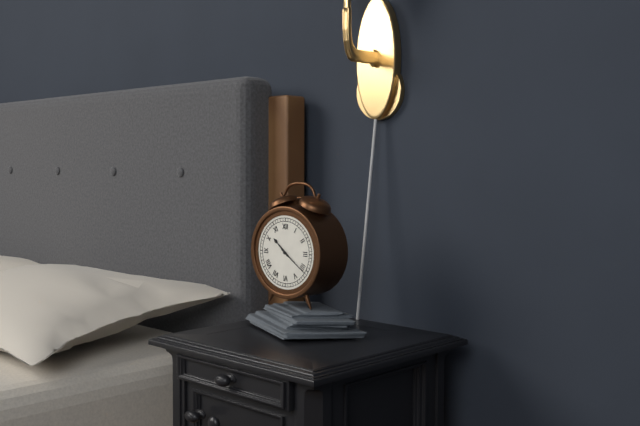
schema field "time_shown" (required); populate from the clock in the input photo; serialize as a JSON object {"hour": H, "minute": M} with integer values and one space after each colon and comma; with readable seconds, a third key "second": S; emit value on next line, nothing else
{"hour": 10, "minute": 21}
